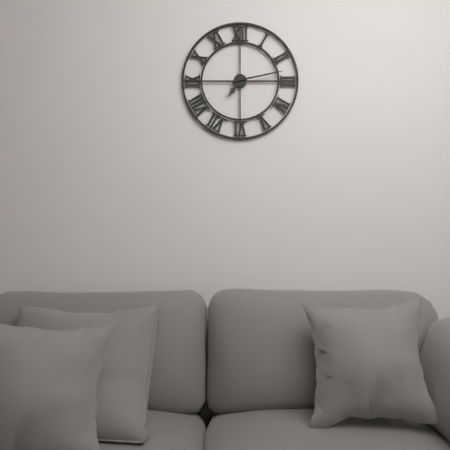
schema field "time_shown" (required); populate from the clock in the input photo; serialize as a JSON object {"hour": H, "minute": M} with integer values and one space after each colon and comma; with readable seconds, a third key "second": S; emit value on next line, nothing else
{"hour": 7, "minute": 13}
